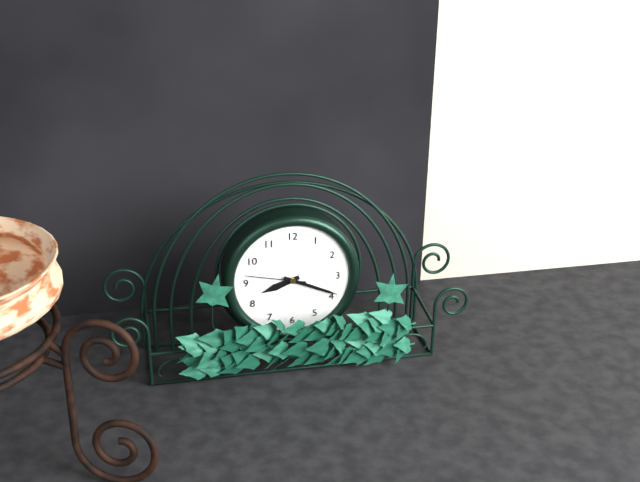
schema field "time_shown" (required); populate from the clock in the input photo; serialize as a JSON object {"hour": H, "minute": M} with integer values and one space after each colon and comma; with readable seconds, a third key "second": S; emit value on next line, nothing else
{"hour": 8, "minute": 19, "second": 47}
